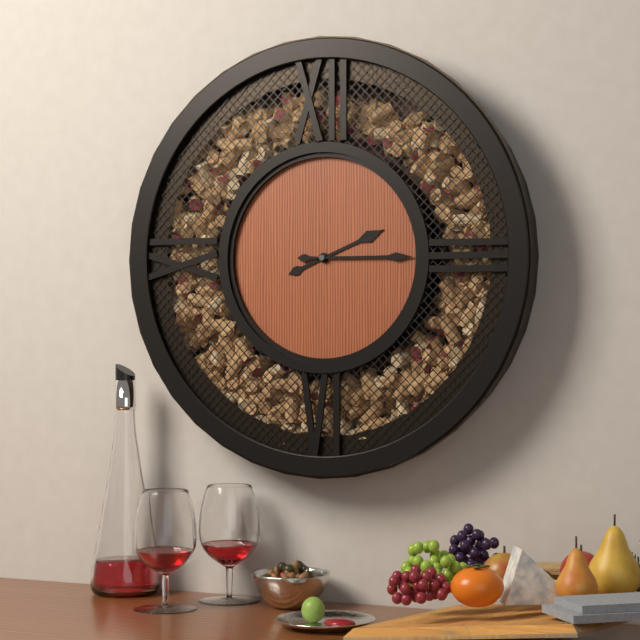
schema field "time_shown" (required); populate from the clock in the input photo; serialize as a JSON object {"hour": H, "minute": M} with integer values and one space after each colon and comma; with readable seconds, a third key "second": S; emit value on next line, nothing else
{"hour": 2, "minute": 15}
